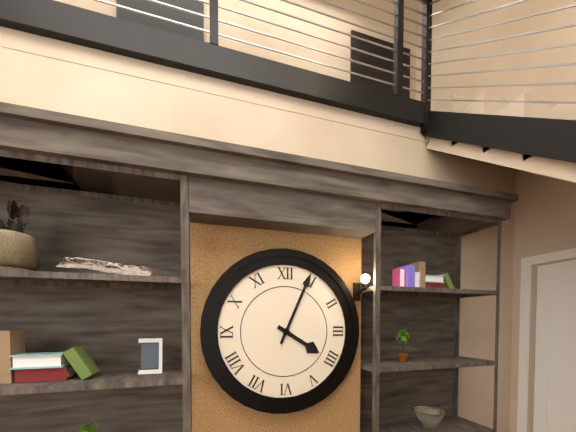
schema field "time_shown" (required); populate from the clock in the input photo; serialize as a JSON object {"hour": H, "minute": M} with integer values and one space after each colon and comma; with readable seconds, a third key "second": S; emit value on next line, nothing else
{"hour": 4, "minute": 4}
